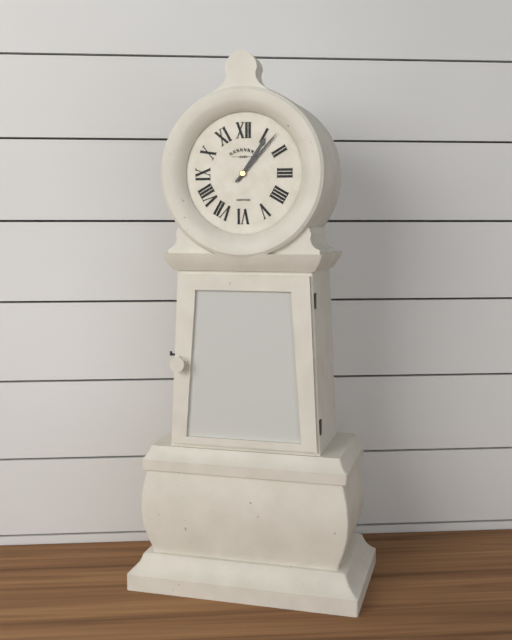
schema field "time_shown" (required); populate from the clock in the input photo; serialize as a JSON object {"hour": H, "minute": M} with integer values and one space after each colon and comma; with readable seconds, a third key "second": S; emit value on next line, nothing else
{"hour": 1, "minute": 7}
